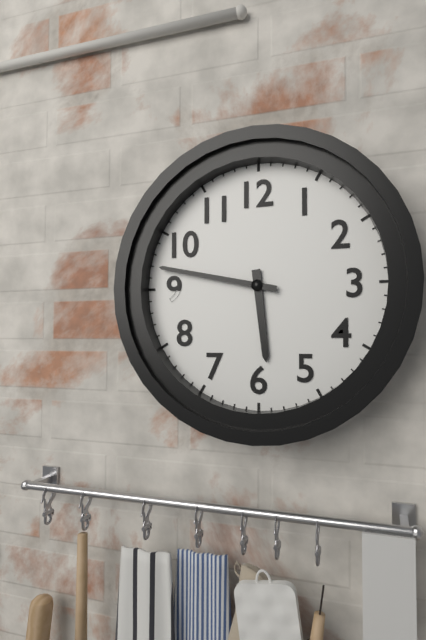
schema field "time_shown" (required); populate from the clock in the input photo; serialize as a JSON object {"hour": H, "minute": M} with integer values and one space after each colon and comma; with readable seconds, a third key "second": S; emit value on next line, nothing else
{"hour": 5, "minute": 47}
